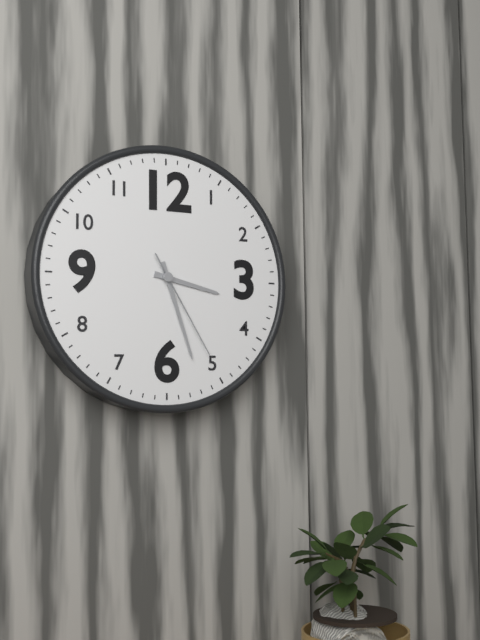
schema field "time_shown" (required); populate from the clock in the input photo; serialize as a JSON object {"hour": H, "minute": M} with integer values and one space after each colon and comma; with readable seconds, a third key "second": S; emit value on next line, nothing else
{"hour": 3, "minute": 27, "second": 25}
